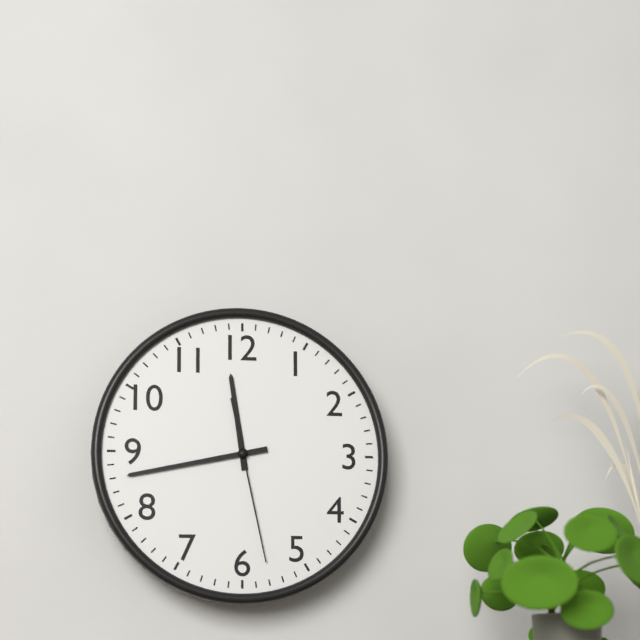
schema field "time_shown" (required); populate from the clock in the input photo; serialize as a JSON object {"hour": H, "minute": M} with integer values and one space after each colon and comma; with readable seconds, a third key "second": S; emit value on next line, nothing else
{"hour": 11, "minute": 43, "second": 28}
